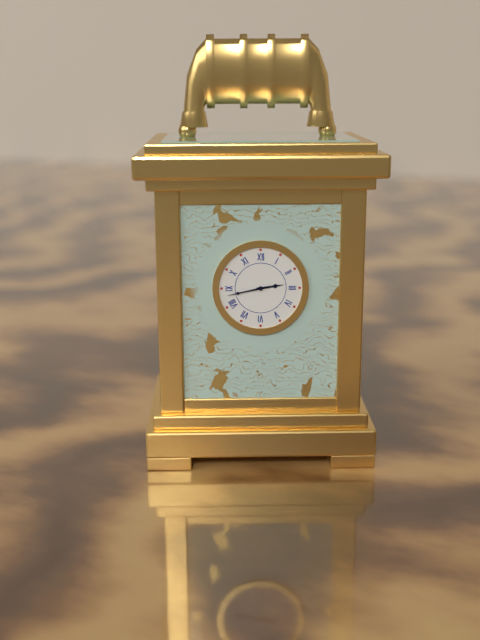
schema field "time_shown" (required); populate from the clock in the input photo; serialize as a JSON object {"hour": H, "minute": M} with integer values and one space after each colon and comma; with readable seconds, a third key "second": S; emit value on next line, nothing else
{"hour": 2, "minute": 43}
